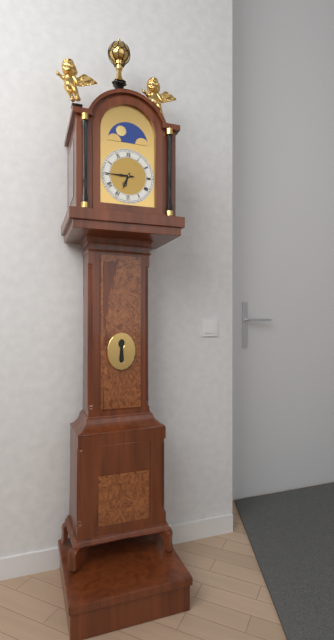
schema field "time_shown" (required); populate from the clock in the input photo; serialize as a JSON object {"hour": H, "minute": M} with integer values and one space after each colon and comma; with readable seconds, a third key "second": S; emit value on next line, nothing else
{"hour": 6, "minute": 45}
